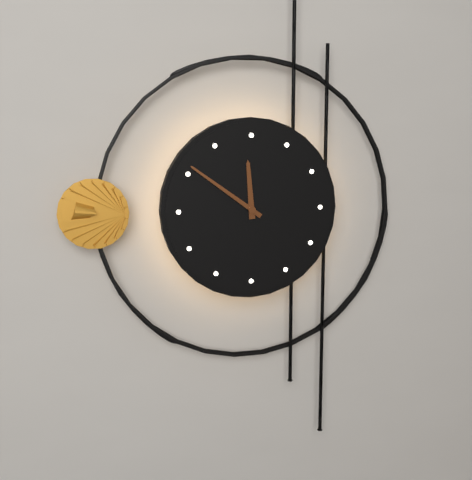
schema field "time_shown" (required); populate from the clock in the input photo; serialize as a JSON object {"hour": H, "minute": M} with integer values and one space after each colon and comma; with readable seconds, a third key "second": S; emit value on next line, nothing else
{"hour": 11, "minute": 51}
